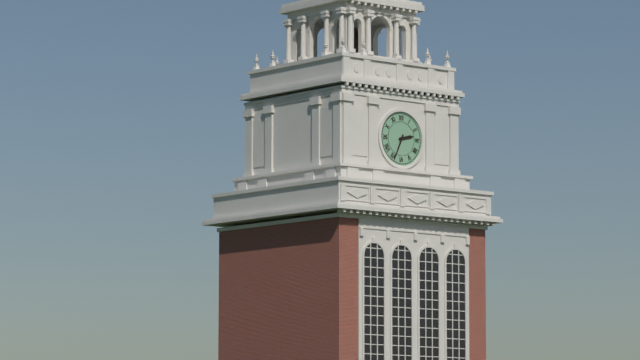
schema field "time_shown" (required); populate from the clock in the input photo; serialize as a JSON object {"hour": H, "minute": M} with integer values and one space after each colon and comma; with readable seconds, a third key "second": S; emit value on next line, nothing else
{"hour": 2, "minute": 34}
